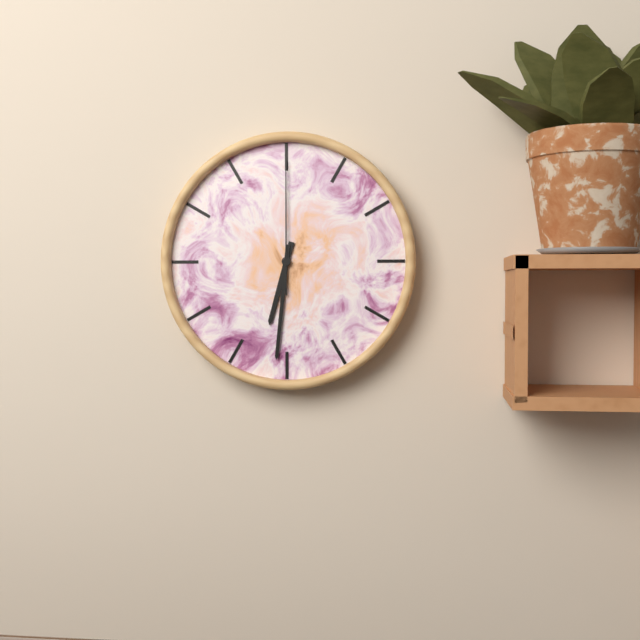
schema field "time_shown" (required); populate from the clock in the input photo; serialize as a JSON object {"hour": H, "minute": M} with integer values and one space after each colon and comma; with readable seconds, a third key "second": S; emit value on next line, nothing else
{"hour": 6, "minute": 31, "second": 0}
